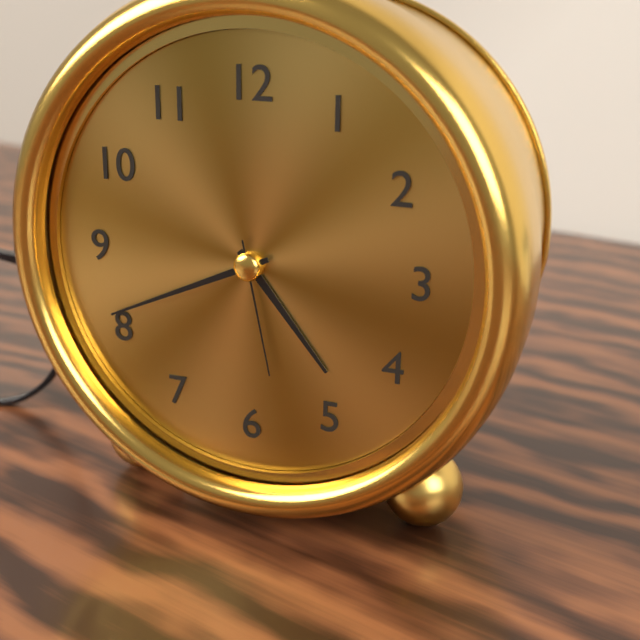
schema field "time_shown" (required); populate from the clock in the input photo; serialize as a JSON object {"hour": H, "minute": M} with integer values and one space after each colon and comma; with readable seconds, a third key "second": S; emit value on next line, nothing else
{"hour": 4, "minute": 41, "second": 28}
